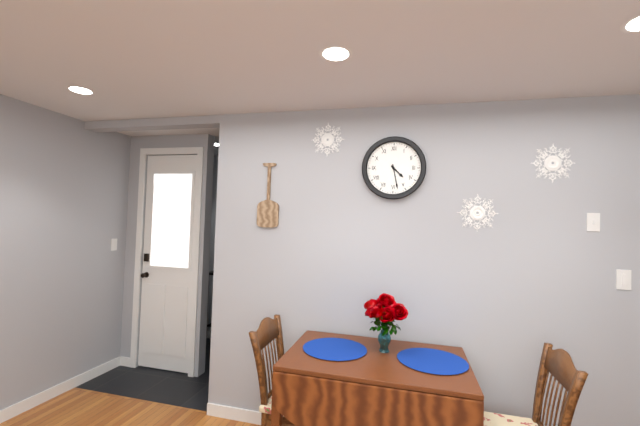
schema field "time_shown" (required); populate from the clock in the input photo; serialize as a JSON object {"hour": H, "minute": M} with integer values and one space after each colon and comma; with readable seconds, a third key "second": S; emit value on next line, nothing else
{"hour": 4, "minute": 28}
